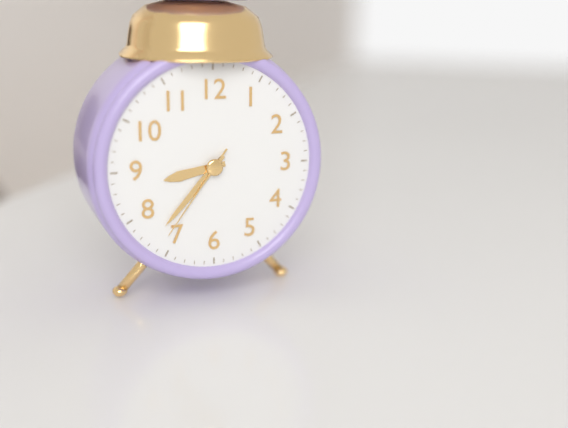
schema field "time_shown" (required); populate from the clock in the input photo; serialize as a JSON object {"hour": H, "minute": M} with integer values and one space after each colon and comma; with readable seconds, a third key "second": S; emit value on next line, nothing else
{"hour": 8, "minute": 37, "second": 36}
